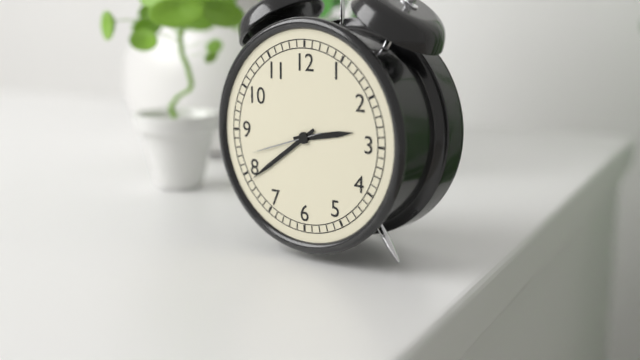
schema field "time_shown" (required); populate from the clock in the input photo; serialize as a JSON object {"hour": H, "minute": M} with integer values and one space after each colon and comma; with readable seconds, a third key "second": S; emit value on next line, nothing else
{"hour": 2, "minute": 39, "second": 42}
